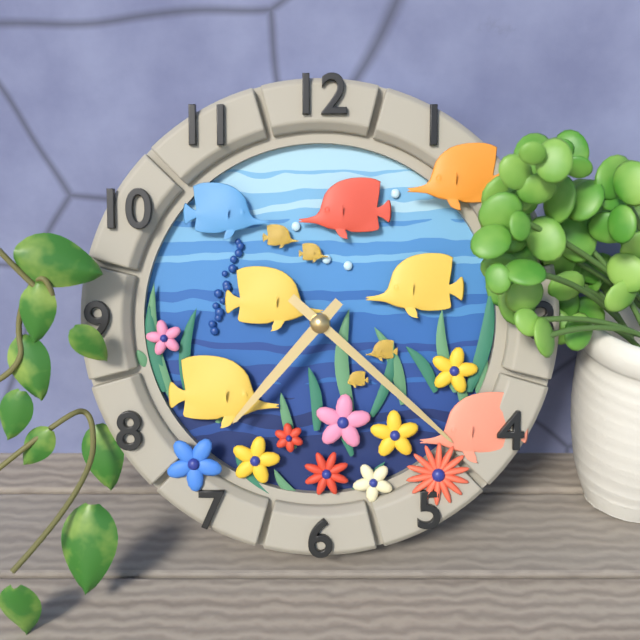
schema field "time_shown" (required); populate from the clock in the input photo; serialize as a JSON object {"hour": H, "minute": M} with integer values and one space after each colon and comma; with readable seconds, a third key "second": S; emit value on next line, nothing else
{"hour": 7, "minute": 22}
